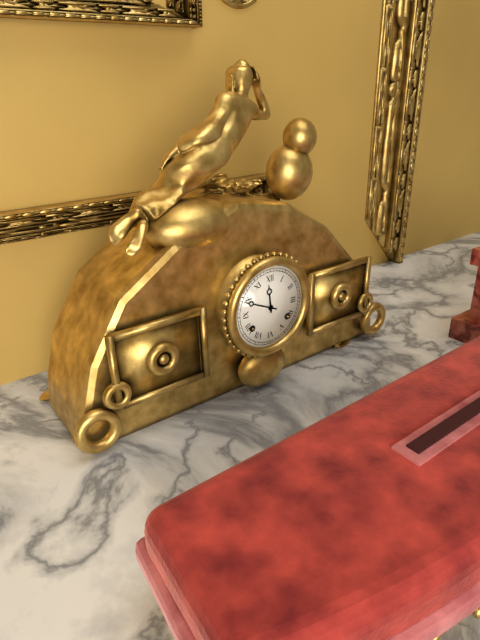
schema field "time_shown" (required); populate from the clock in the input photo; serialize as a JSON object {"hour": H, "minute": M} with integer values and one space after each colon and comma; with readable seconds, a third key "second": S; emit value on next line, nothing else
{"hour": 11, "minute": 49}
